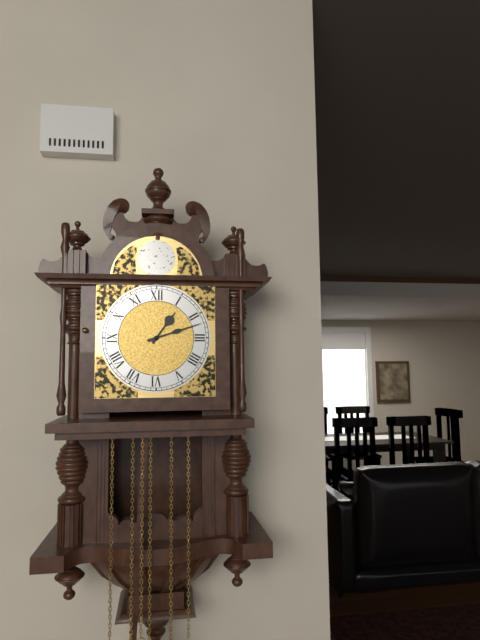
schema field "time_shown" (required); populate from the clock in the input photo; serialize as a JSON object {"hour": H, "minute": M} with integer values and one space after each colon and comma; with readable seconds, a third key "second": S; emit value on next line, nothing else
{"hour": 1, "minute": 12}
